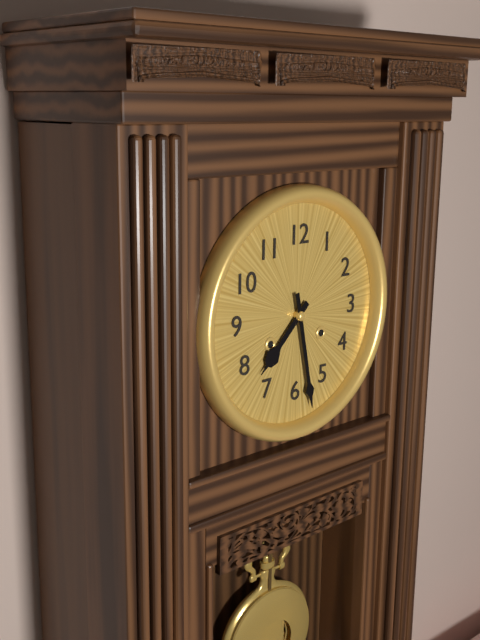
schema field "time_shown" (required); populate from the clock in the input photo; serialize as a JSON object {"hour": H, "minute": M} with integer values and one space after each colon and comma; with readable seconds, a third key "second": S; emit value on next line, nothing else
{"hour": 7, "minute": 28}
